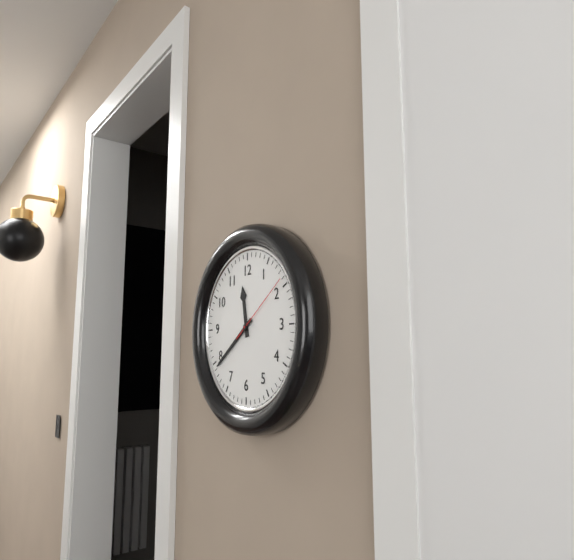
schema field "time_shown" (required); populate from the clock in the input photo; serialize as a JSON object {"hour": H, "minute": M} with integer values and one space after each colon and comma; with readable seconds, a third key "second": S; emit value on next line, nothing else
{"hour": 11, "minute": 39, "second": 9}
